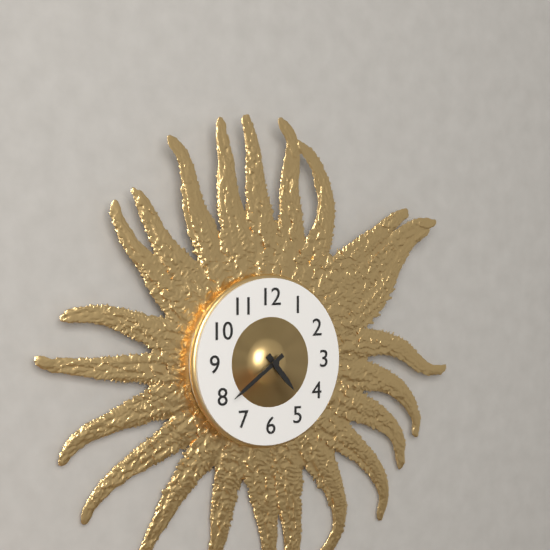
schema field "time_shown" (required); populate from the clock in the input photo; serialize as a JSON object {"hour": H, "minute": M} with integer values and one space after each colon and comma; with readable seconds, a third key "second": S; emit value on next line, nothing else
{"hour": 4, "minute": 39}
